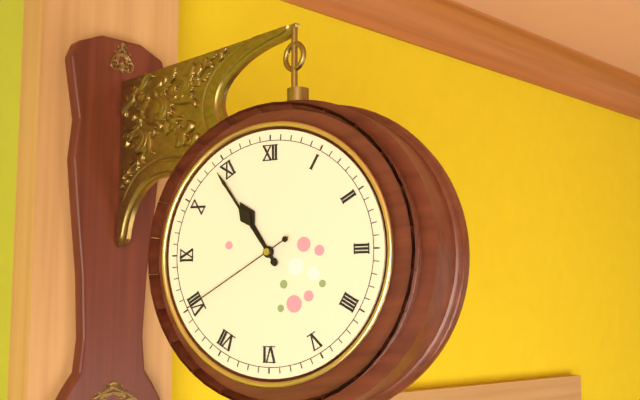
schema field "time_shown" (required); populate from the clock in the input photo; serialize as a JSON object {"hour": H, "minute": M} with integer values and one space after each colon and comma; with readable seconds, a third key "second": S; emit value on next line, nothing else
{"hour": 10, "minute": 54, "second": 40}
